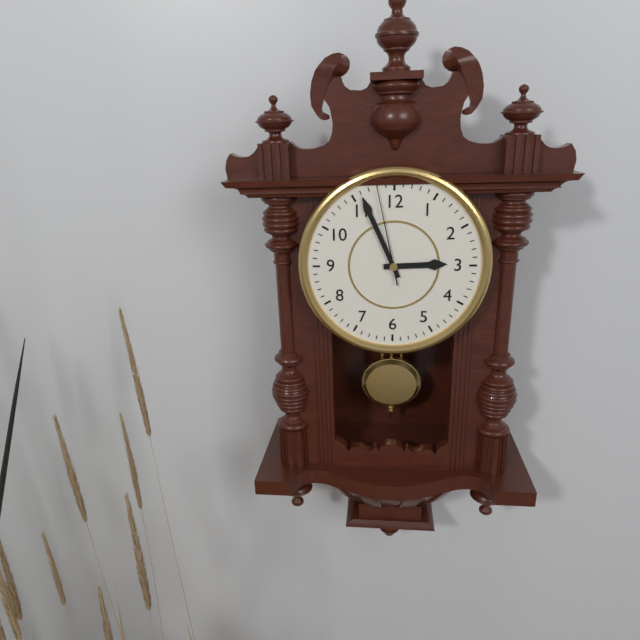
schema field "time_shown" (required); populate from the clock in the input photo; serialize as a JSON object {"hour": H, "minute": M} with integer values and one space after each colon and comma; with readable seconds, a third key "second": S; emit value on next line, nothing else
{"hour": 2, "minute": 56, "second": 58}
